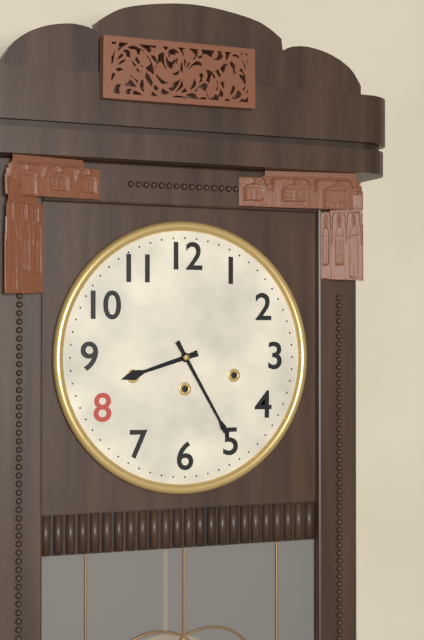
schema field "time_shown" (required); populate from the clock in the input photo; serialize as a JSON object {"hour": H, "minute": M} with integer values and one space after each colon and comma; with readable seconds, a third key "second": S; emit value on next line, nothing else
{"hour": 8, "minute": 25}
